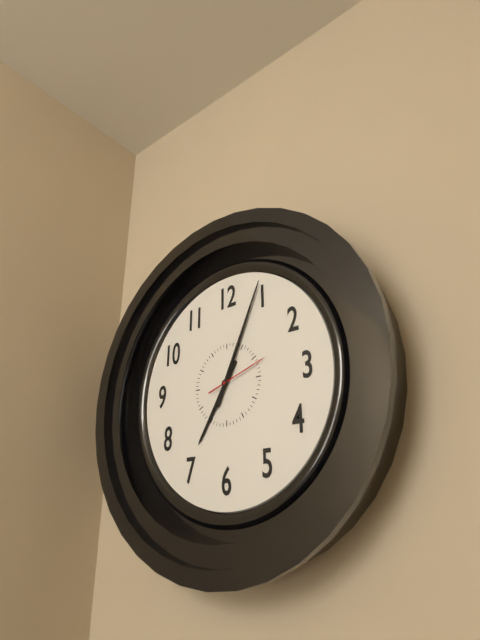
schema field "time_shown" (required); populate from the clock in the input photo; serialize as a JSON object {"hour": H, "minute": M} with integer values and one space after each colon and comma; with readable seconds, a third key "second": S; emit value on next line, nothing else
{"hour": 7, "minute": 4, "second": 12}
